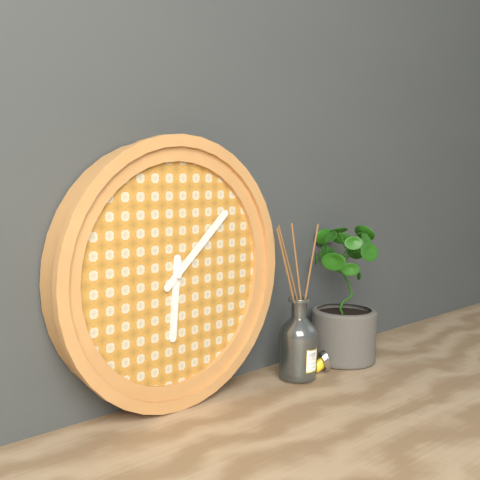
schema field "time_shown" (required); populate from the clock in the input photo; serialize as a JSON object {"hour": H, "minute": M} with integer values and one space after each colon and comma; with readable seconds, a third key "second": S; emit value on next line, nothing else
{"hour": 6, "minute": 8}
